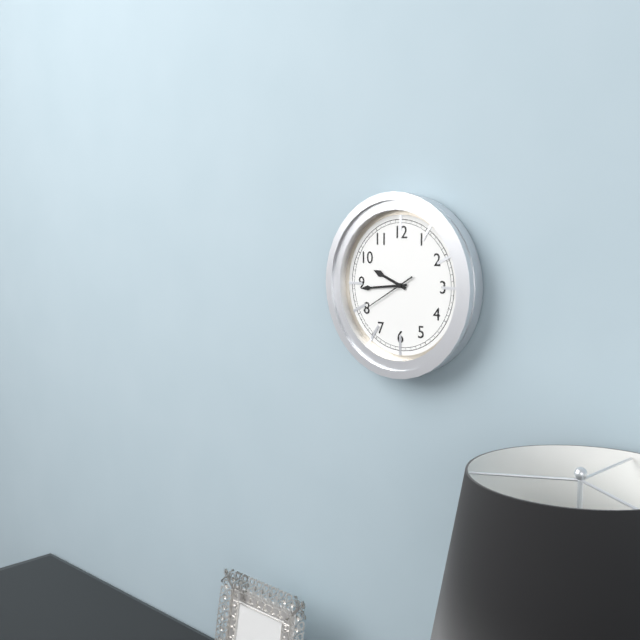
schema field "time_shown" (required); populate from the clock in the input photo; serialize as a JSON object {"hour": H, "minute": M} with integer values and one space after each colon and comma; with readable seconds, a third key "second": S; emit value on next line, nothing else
{"hour": 9, "minute": 44, "second": 40}
